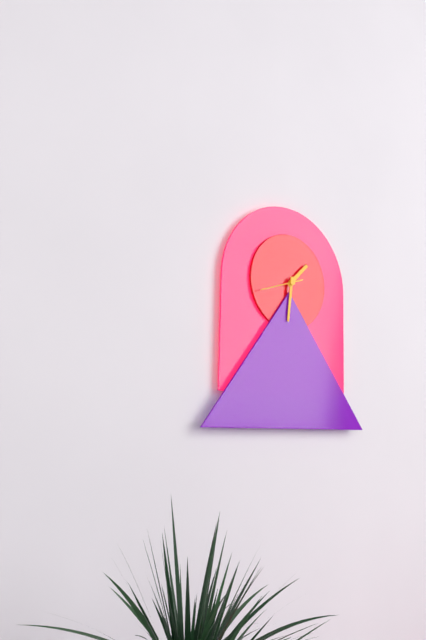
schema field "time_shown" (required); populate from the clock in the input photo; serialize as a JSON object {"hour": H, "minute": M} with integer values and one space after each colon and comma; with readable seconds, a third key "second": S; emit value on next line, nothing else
{"hour": 1, "minute": 31}
